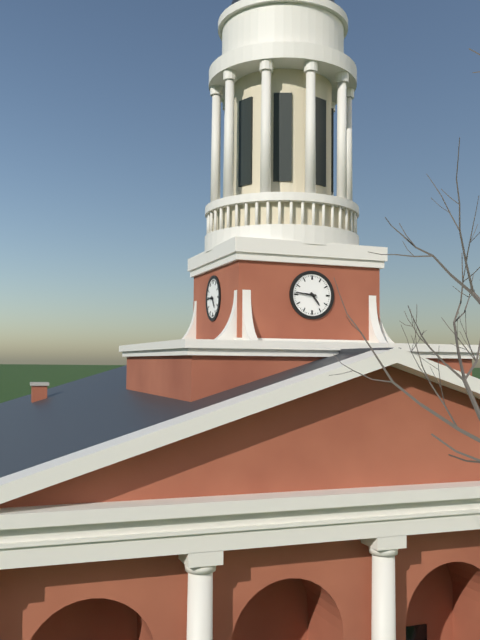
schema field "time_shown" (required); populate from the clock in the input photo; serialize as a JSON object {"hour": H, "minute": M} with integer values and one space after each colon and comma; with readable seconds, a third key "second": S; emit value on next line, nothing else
{"hour": 4, "minute": 46}
